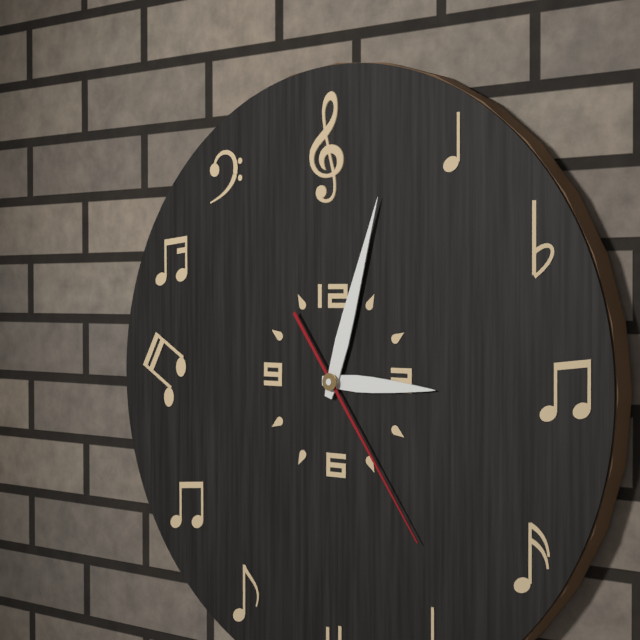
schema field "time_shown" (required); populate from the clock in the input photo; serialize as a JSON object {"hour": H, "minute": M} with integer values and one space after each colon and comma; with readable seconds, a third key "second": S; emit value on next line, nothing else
{"hour": 3, "minute": 3, "second": 24}
